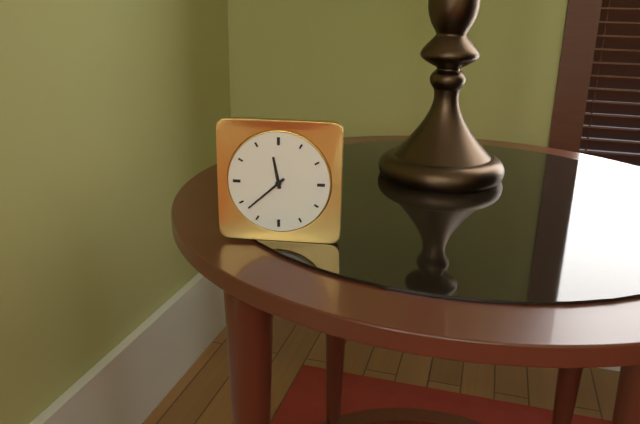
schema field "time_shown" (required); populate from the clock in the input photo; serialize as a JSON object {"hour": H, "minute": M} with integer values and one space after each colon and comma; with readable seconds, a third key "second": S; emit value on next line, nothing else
{"hour": 11, "minute": 38}
